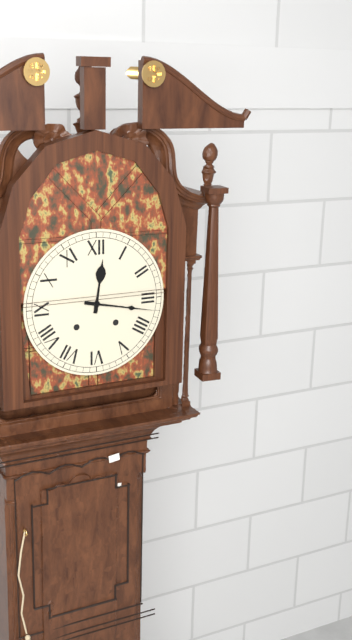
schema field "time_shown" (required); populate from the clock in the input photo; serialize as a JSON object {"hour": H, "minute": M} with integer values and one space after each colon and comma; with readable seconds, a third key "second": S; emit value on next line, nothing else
{"hour": 12, "minute": 17}
